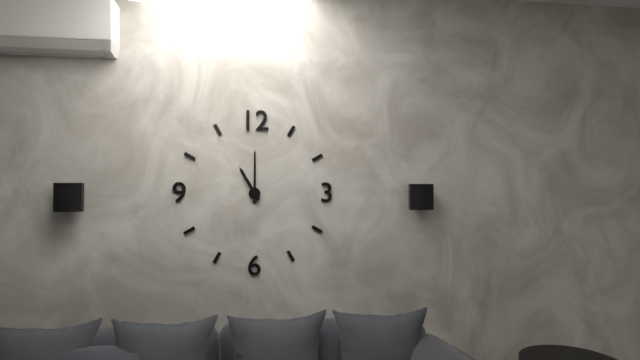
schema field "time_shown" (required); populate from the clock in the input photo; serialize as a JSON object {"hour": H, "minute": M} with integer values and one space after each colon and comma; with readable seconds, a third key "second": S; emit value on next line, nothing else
{"hour": 11, "minute": 0}
